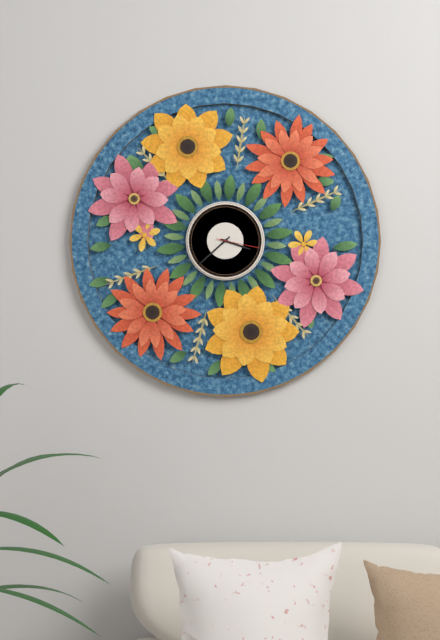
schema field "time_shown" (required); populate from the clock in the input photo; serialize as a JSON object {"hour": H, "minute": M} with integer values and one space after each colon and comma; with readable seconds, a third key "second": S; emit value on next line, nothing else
{"hour": 3, "minute": 38}
